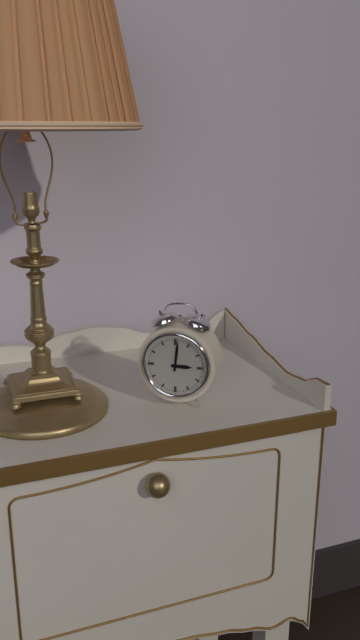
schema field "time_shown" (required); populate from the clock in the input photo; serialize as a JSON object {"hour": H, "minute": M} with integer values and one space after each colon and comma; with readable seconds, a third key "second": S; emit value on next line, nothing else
{"hour": 3, "minute": 1}
